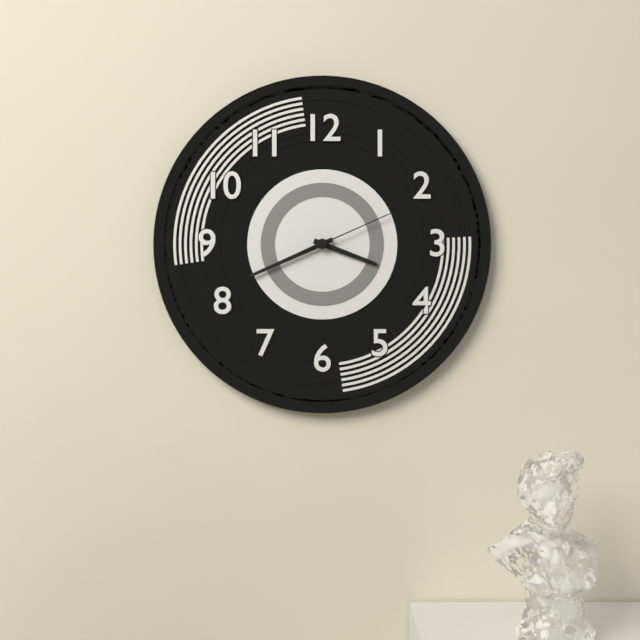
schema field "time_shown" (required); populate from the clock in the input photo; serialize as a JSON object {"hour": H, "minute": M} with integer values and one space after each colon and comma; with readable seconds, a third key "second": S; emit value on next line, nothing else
{"hour": 3, "minute": 41, "second": 11}
